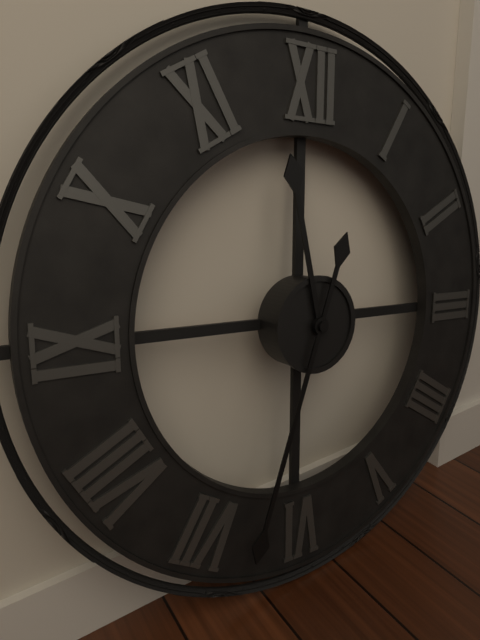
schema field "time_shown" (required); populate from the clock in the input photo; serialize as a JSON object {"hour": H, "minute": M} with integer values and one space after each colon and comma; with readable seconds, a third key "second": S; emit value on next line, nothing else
{"hour": 11, "minute": 33}
